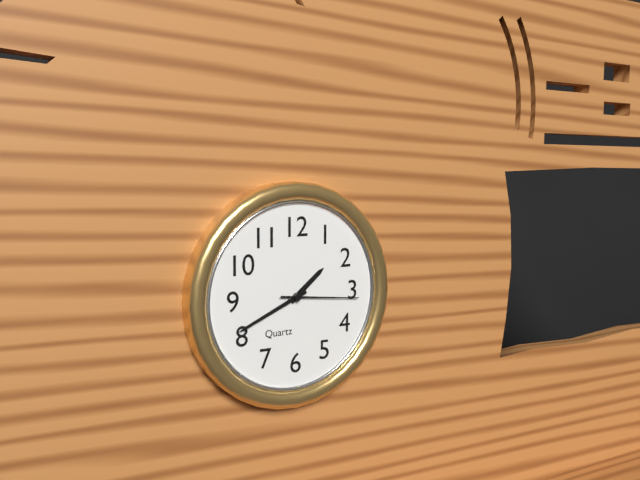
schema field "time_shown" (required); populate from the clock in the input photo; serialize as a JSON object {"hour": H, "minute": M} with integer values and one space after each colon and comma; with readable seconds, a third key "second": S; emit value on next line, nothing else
{"hour": 1, "minute": 41, "second": 16}
